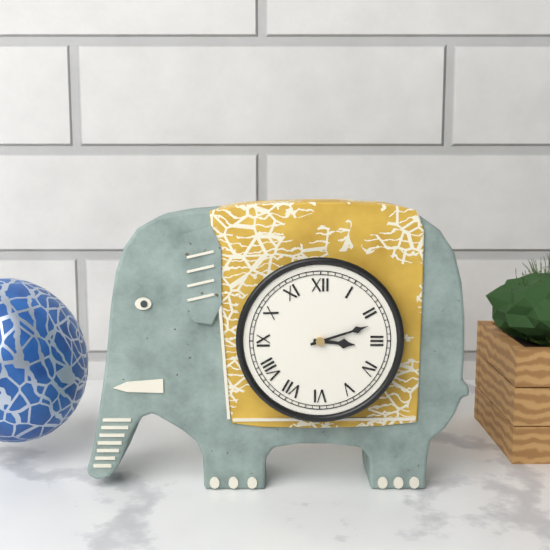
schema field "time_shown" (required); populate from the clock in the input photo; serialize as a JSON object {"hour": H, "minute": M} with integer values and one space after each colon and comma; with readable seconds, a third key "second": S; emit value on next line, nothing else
{"hour": 3, "minute": 12}
